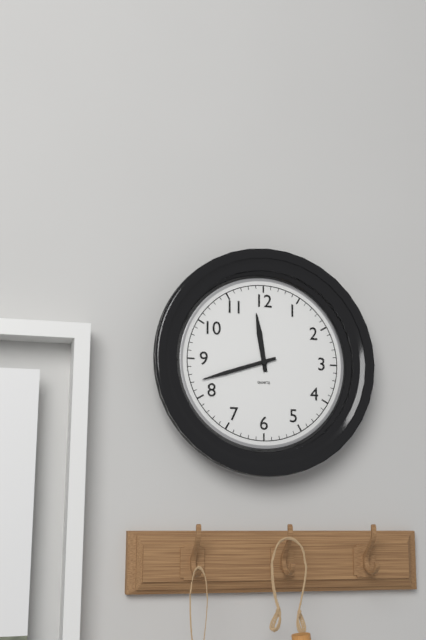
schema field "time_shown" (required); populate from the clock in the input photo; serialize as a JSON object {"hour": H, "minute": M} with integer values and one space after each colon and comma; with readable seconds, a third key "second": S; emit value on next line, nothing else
{"hour": 11, "minute": 42}
